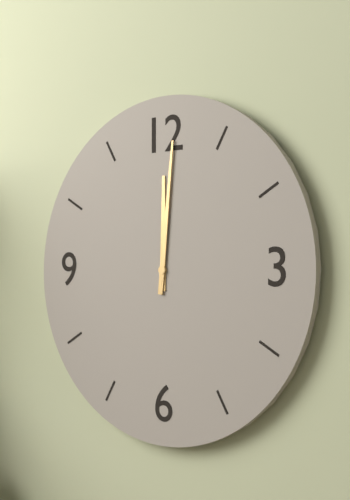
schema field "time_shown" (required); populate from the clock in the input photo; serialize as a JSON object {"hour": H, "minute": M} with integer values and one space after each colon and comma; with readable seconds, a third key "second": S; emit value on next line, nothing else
{"hour": 12, "minute": 1}
